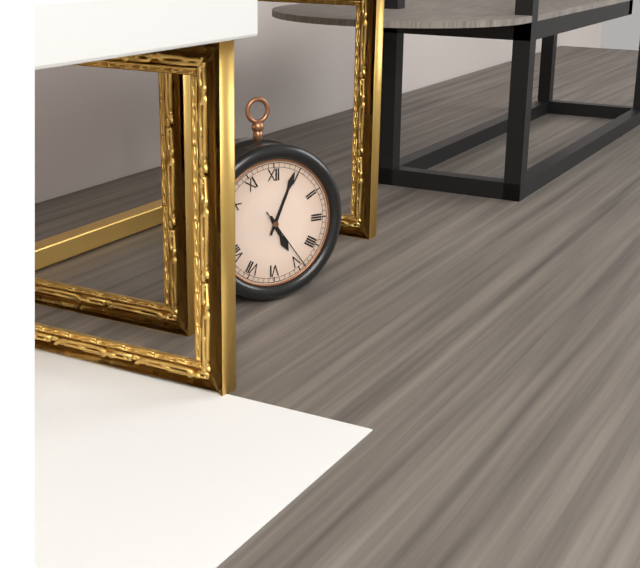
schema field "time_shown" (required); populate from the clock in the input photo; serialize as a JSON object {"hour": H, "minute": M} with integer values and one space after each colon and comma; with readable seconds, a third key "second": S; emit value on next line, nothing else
{"hour": 5, "minute": 4, "second": 24}
